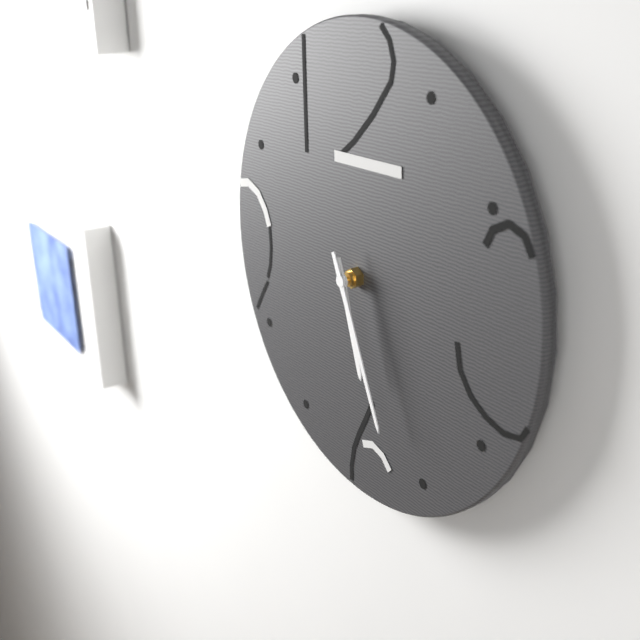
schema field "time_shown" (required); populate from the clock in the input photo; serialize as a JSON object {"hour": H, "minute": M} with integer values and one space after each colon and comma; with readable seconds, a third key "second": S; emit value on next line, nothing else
{"hour": 5, "minute": 26}
